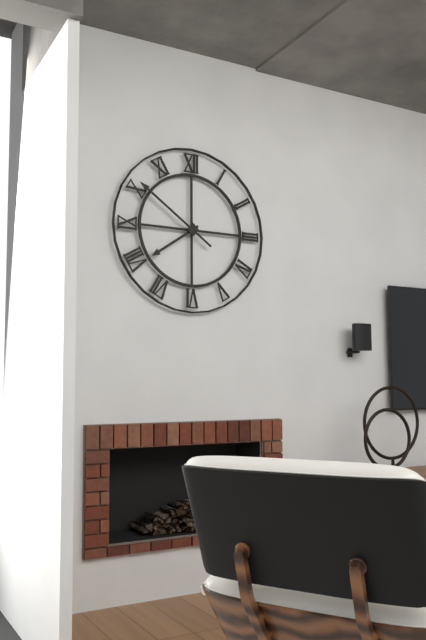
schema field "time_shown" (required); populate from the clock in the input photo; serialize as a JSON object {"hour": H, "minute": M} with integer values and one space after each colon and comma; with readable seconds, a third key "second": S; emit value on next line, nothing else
{"hour": 7, "minute": 51}
